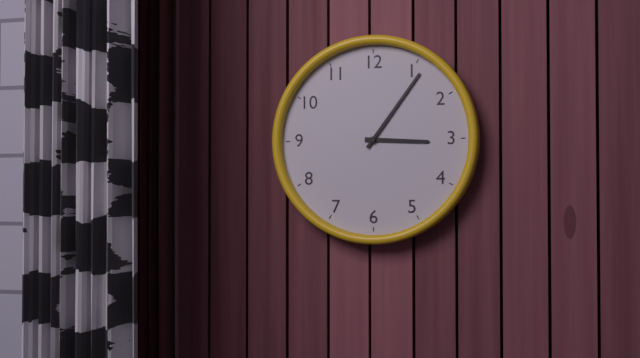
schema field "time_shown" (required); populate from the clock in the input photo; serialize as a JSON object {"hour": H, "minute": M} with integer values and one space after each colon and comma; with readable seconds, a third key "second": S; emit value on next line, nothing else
{"hour": 3, "minute": 6}
